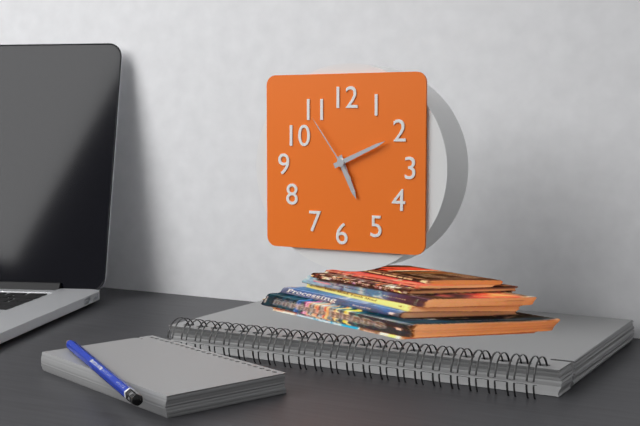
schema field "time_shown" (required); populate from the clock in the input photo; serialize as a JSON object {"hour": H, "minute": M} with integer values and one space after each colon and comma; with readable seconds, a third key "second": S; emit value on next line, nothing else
{"hour": 5, "minute": 11, "second": 54}
